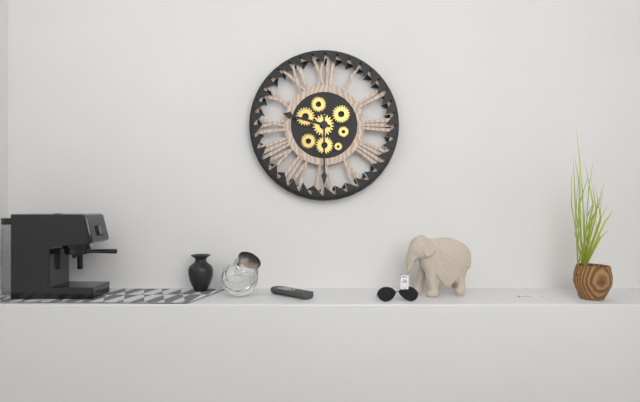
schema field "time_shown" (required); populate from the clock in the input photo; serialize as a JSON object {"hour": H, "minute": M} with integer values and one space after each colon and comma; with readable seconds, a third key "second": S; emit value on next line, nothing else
{"hour": 9, "minute": 30}
